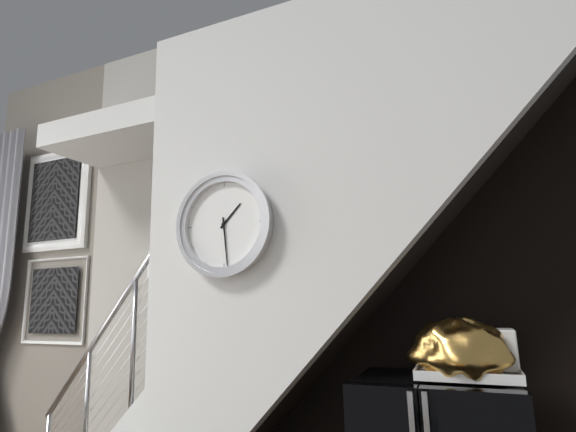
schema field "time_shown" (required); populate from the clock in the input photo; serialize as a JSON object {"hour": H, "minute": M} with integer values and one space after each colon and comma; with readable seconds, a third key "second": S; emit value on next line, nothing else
{"hour": 1, "minute": 29}
